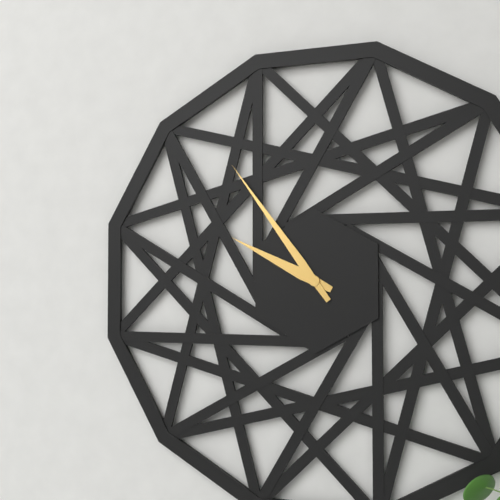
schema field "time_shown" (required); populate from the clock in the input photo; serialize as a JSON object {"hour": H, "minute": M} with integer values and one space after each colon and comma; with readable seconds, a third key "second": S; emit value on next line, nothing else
{"hour": 9, "minute": 54}
